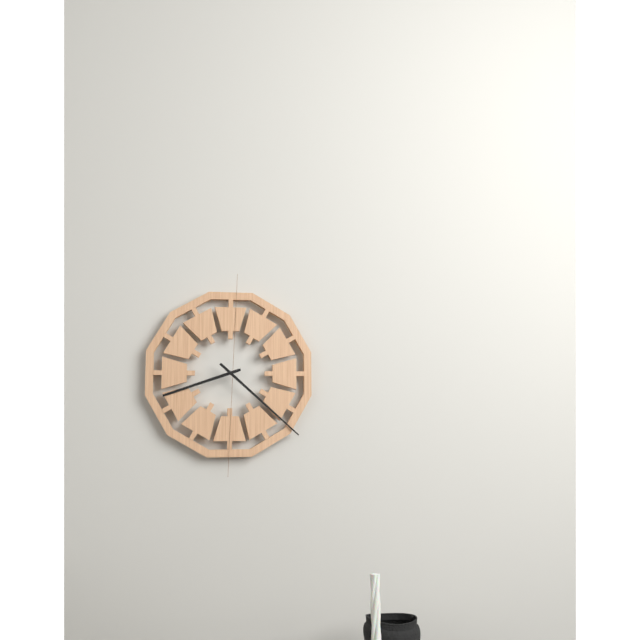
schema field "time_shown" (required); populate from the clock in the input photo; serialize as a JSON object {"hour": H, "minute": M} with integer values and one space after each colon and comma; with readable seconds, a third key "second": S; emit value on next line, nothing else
{"hour": 8, "minute": 22}
